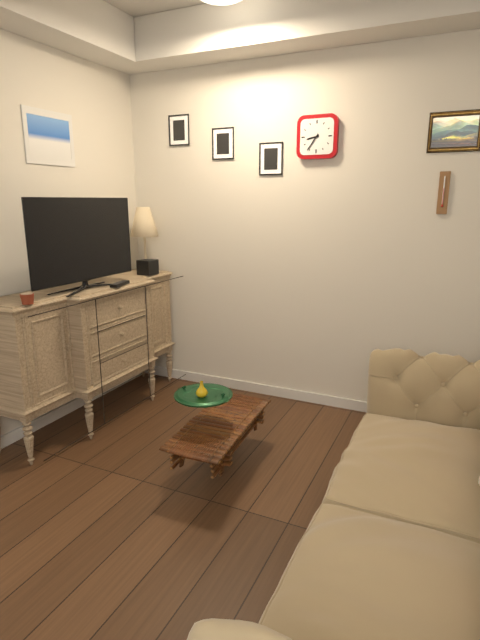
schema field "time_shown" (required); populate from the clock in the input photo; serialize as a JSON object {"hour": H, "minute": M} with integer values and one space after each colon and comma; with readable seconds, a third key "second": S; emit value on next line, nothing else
{"hour": 8, "minute": 36}
